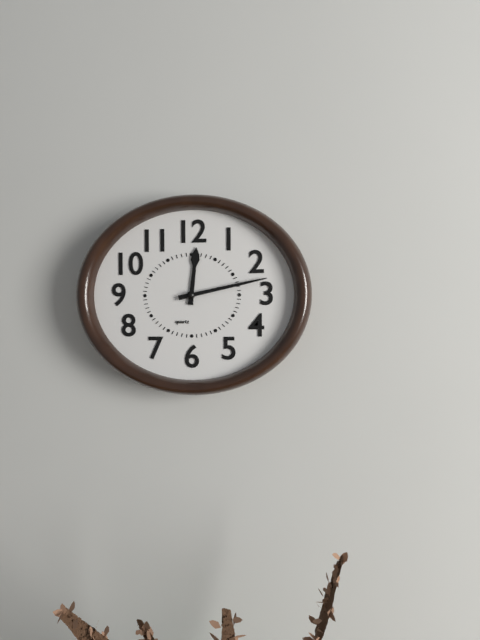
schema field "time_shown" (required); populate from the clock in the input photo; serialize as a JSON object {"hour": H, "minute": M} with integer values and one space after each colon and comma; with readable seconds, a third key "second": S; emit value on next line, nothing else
{"hour": 12, "minute": 13}
